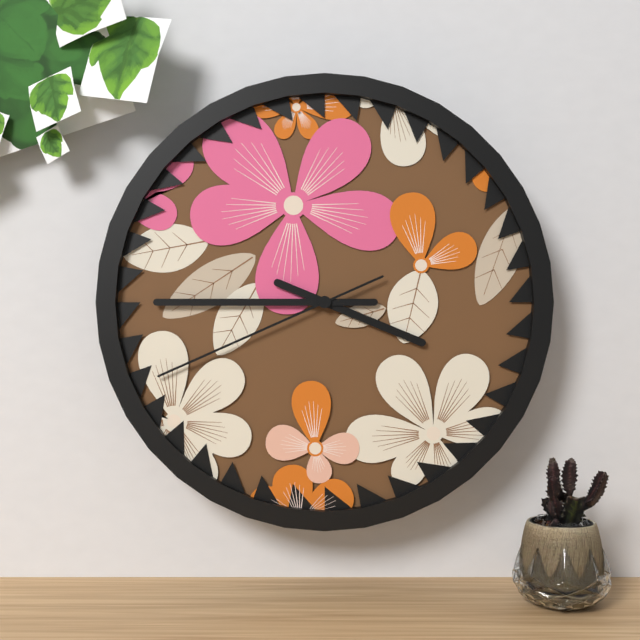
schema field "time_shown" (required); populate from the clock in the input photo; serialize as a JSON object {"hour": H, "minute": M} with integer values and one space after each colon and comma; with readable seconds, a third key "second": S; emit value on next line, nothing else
{"hour": 3, "minute": 45, "second": 41}
